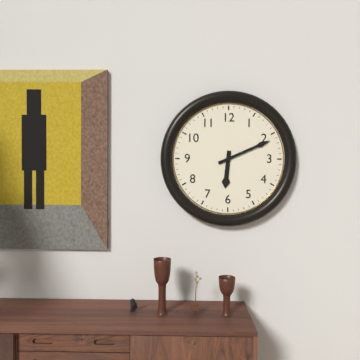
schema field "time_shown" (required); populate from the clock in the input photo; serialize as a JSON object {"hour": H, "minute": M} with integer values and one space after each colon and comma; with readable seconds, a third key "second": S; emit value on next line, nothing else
{"hour": 6, "minute": 11}
